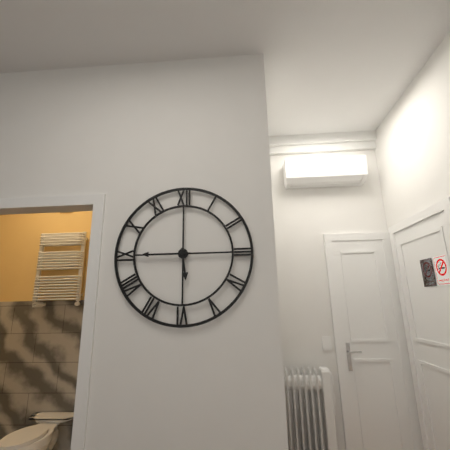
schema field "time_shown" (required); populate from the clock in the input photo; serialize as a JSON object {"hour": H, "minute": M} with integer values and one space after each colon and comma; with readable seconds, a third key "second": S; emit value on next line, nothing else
{"hour": 5, "minute": 45}
